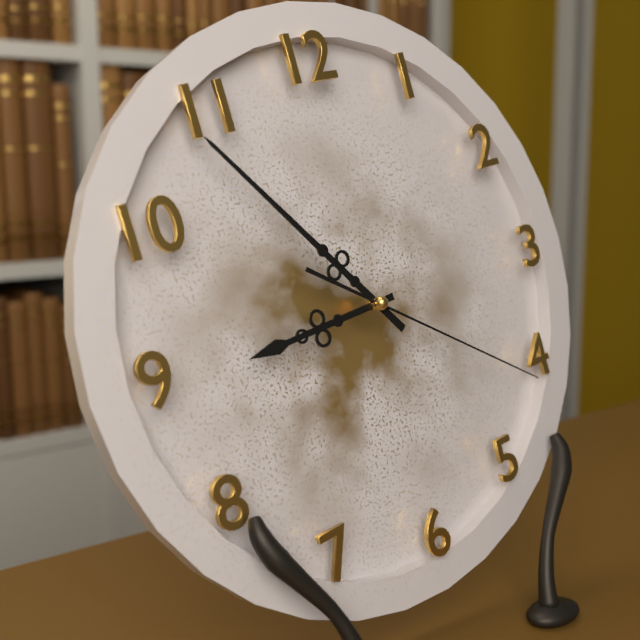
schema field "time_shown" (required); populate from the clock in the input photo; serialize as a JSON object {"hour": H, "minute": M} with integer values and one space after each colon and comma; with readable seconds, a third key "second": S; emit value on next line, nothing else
{"hour": 8, "minute": 54, "second": 21}
